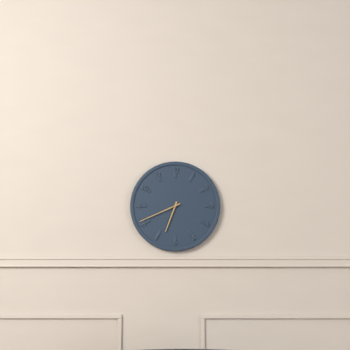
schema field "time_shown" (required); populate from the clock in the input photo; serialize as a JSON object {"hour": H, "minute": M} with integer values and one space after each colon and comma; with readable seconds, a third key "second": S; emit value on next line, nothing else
{"hour": 6, "minute": 41}
